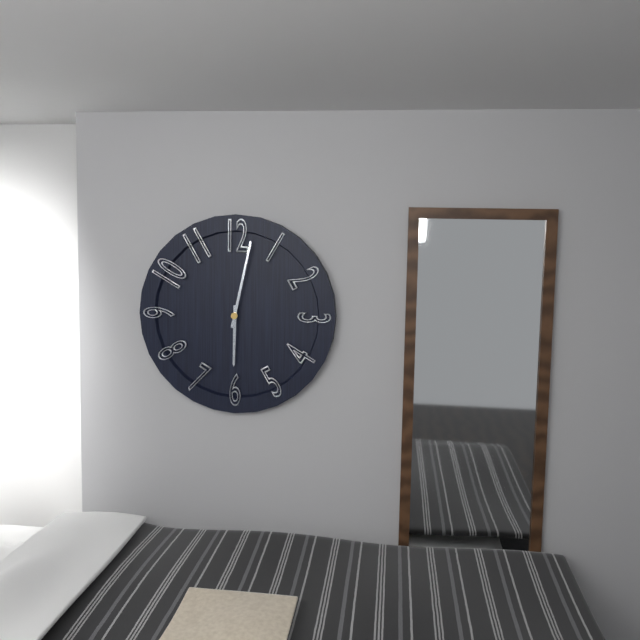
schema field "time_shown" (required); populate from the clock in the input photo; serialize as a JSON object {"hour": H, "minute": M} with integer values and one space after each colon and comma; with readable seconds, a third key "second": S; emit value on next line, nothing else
{"hour": 6, "minute": 2}
